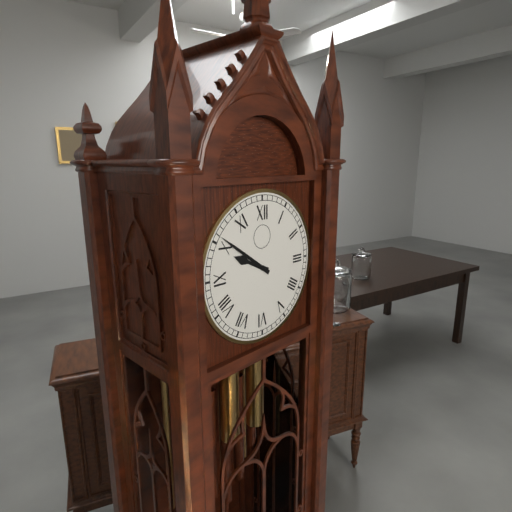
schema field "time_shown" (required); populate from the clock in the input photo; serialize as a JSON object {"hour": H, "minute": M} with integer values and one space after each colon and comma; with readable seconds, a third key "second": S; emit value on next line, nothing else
{"hour": 9, "minute": 51}
